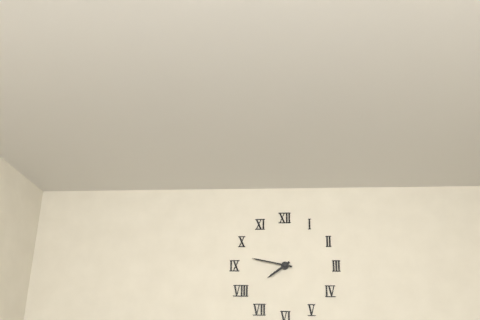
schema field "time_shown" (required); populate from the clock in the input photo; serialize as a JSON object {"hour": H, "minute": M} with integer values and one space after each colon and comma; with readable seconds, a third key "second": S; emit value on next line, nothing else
{"hour": 7, "minute": 47}
